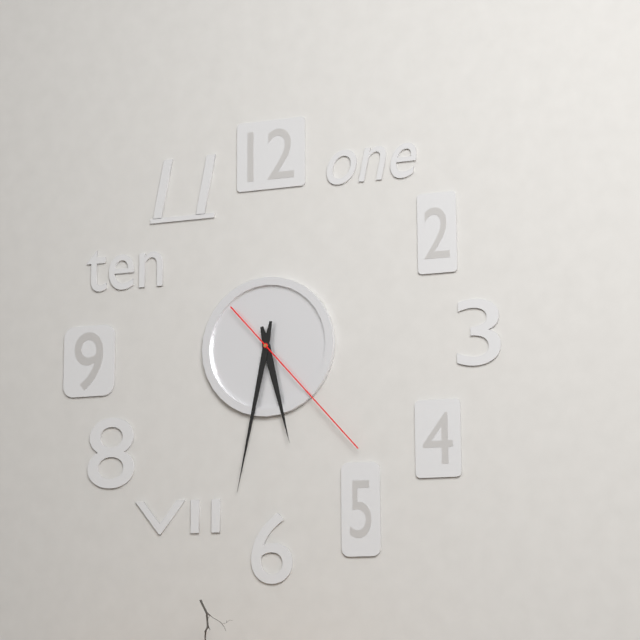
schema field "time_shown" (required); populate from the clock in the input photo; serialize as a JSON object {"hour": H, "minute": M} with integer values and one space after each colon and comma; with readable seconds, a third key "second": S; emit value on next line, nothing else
{"hour": 5, "minute": 32, "second": 23}
